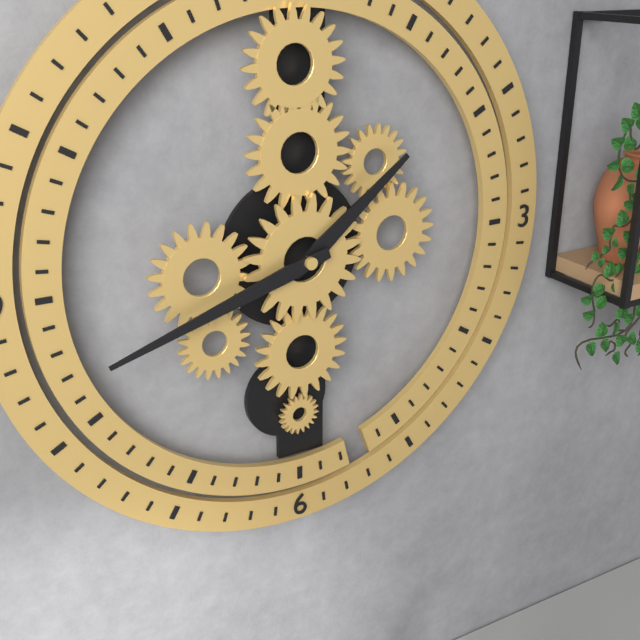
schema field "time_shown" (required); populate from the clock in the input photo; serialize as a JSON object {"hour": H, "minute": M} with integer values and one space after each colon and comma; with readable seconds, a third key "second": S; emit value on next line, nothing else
{"hour": 1, "minute": 42}
